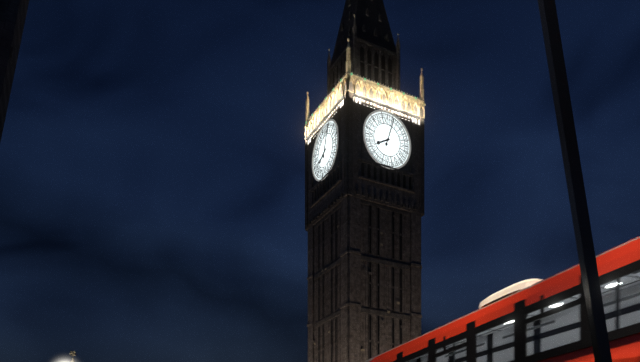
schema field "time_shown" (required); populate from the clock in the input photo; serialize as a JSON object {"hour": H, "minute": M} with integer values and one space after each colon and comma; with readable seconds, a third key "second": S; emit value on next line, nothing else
{"hour": 8, "minute": 3}
